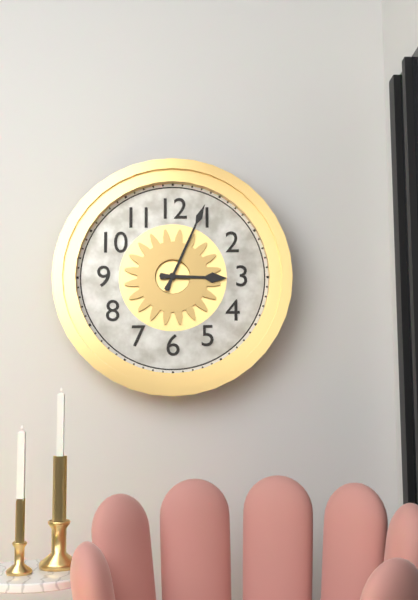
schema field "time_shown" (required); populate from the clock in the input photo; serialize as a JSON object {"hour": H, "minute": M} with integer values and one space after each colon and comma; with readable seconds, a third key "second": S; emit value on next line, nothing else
{"hour": 3, "minute": 4}
